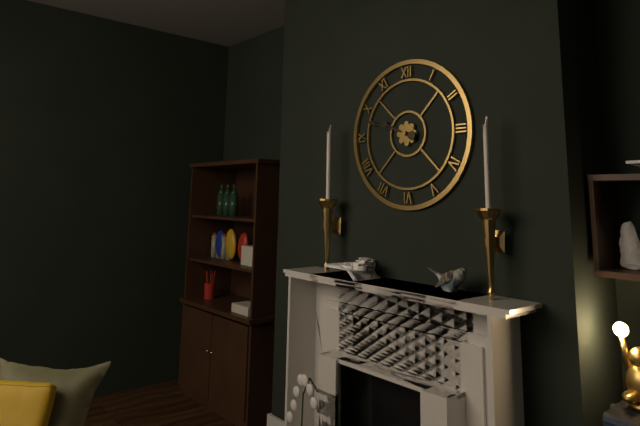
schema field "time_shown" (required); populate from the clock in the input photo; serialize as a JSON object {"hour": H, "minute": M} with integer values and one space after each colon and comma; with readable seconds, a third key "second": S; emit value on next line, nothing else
{"hour": 9, "minute": 48}
